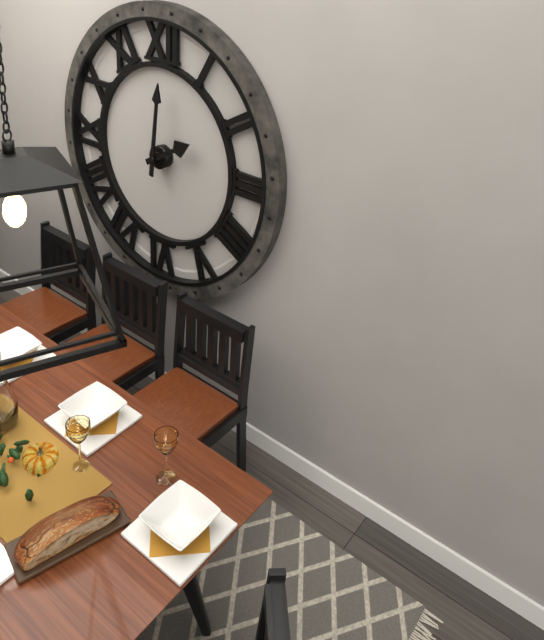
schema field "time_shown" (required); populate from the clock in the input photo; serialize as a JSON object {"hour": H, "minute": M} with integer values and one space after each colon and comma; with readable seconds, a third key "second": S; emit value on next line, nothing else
{"hour": 2, "minute": 1}
